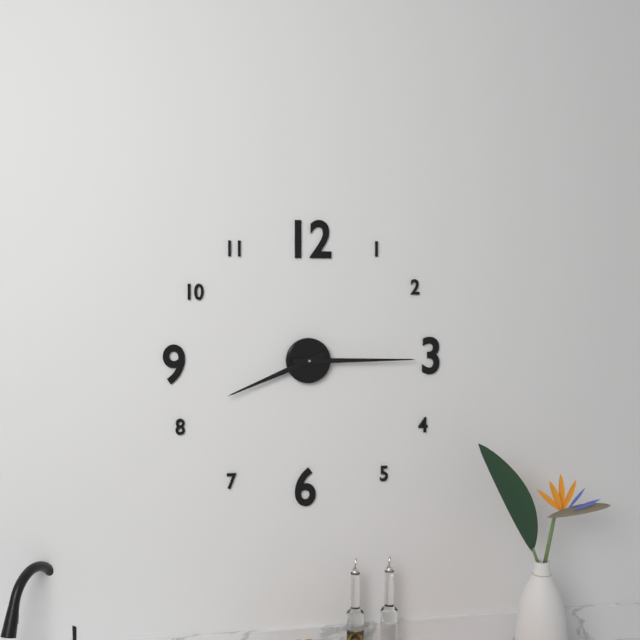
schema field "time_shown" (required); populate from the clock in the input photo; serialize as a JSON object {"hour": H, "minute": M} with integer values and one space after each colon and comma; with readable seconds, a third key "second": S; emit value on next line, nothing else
{"hour": 8, "minute": 15}
